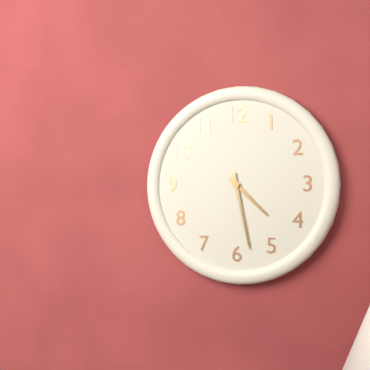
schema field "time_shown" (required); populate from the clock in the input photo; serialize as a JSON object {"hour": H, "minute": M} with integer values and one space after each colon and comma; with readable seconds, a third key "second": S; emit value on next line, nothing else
{"hour": 4, "minute": 28}
